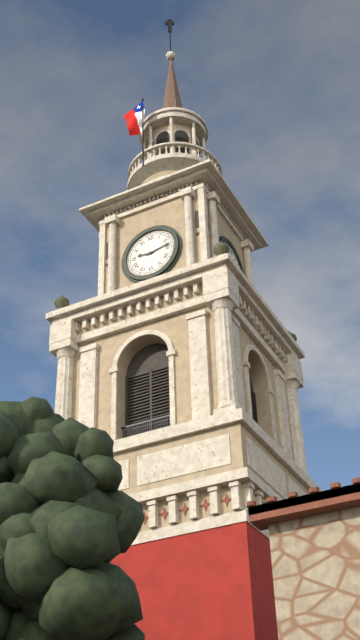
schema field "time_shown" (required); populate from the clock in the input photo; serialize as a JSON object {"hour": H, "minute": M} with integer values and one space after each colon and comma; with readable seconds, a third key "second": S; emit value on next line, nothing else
{"hour": 9, "minute": 13}
